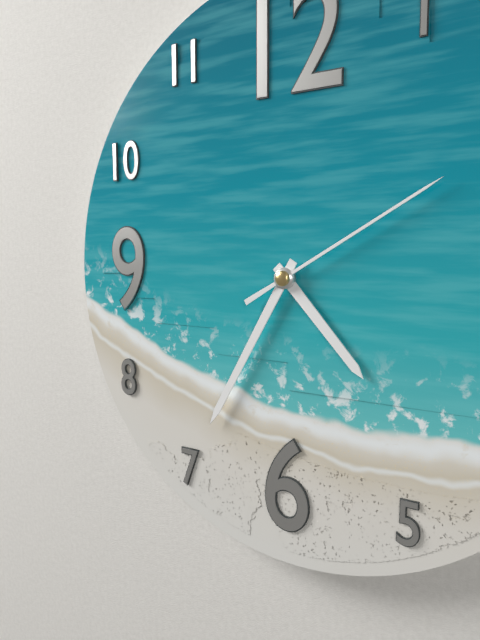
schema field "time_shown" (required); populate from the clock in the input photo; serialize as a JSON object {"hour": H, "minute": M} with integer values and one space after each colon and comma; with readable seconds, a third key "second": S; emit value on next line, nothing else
{"hour": 4, "minute": 35, "second": 10}
